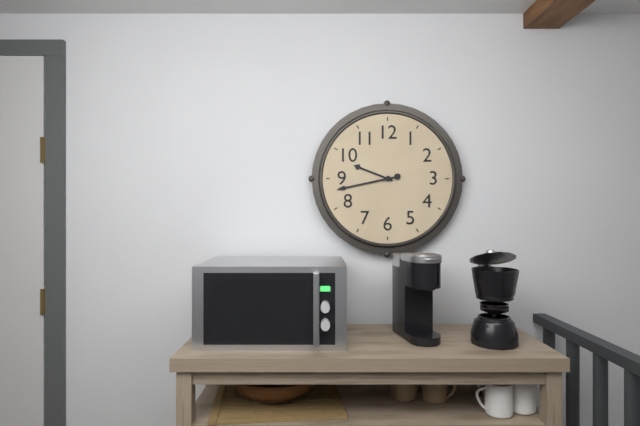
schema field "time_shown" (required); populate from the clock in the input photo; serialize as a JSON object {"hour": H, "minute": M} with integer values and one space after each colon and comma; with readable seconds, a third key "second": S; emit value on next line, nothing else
{"hour": 9, "minute": 43}
